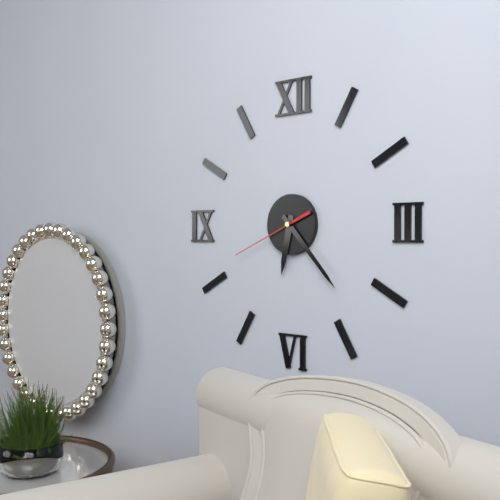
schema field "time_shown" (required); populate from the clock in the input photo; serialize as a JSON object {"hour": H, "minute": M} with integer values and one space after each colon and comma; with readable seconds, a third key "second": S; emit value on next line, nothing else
{"hour": 6, "minute": 23, "second": 41}
